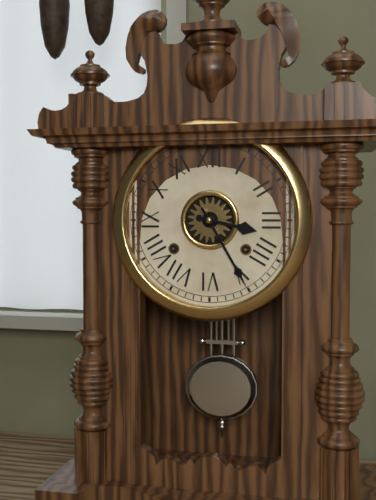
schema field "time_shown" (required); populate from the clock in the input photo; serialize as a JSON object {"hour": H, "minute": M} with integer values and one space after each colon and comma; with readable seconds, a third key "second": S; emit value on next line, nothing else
{"hour": 3, "minute": 25}
